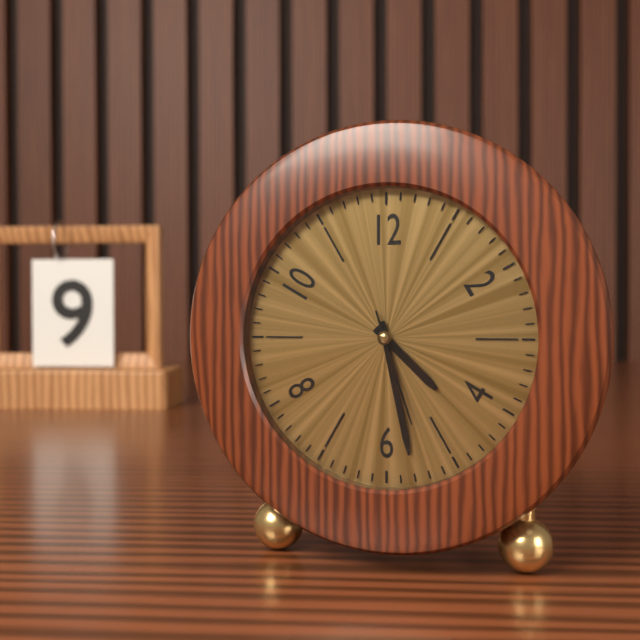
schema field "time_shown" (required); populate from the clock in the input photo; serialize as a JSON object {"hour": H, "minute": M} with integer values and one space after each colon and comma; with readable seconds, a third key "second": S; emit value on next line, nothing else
{"hour": 4, "minute": 28, "second": 27}
